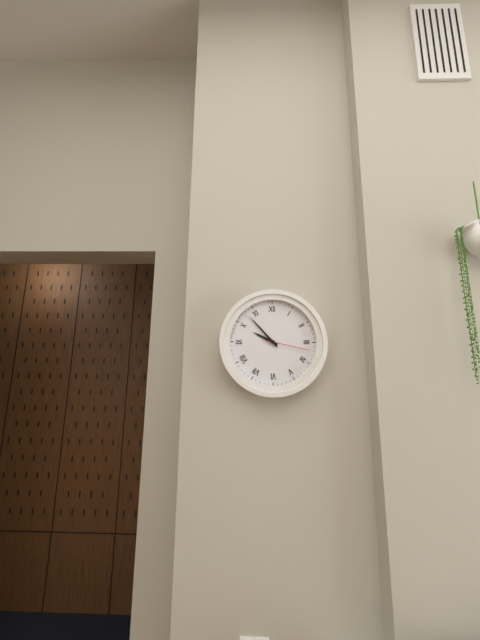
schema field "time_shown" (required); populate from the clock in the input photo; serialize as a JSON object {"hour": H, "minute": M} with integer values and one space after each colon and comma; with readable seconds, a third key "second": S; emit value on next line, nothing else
{"hour": 9, "minute": 53}
